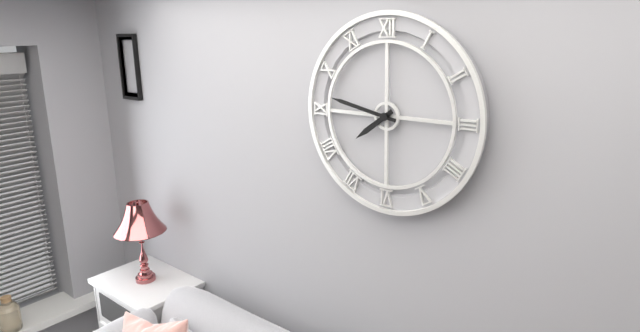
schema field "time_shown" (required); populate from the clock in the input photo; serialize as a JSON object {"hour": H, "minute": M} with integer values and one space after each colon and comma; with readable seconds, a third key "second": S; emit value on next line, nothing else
{"hour": 7, "minute": 47}
